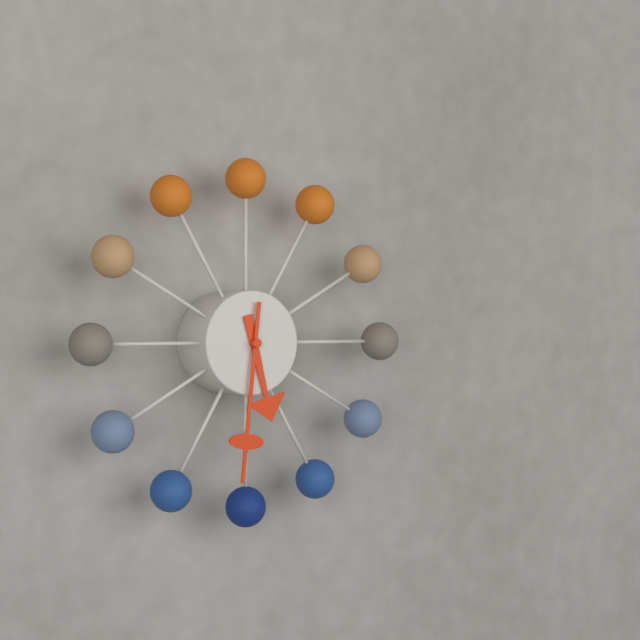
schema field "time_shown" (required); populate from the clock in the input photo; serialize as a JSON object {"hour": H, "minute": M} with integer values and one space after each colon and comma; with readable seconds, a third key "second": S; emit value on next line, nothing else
{"hour": 5, "minute": 31}
